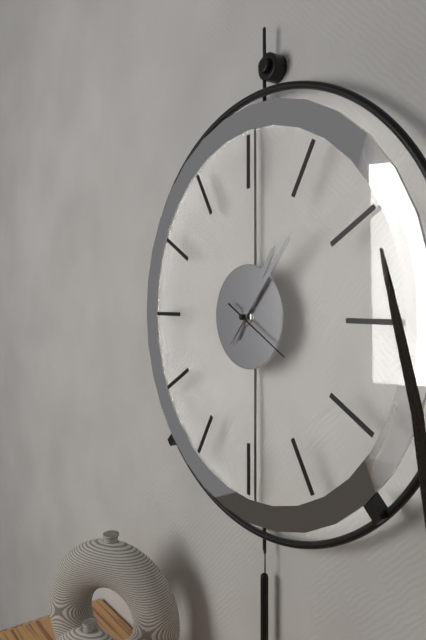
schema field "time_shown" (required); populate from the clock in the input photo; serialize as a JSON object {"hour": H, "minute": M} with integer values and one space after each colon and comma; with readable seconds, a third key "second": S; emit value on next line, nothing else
{"hour": 1, "minute": 7, "second": 20}
